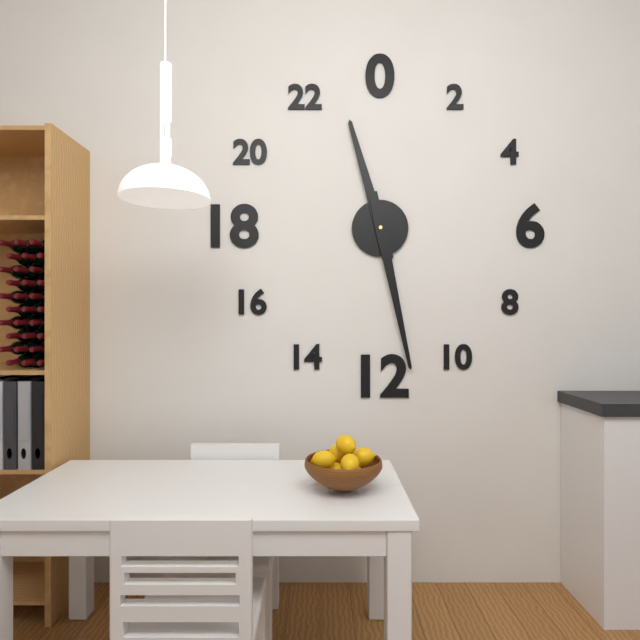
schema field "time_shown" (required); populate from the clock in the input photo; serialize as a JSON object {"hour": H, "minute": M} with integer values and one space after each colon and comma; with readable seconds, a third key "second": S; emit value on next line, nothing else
{"hour": 11, "minute": 28}
